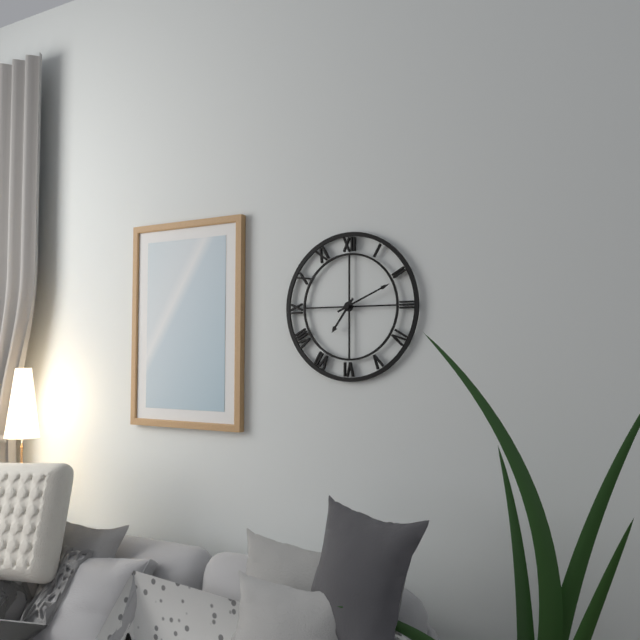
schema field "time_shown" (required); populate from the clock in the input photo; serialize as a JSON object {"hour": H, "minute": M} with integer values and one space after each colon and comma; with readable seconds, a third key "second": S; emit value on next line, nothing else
{"hour": 7, "minute": 11}
